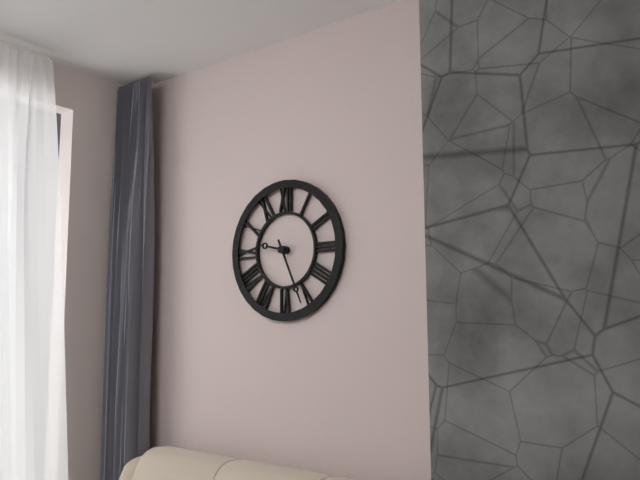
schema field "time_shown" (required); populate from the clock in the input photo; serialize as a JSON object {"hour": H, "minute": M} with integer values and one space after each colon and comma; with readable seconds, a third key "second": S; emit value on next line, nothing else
{"hour": 9, "minute": 26}
